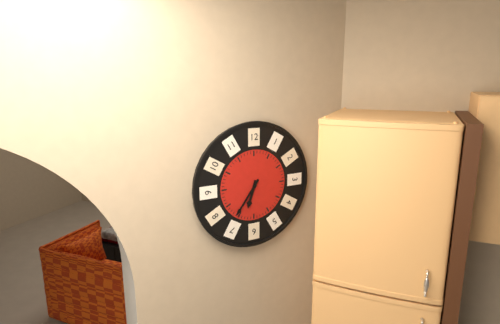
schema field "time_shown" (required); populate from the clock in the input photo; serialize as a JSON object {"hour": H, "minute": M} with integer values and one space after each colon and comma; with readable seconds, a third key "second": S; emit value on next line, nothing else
{"hour": 6, "minute": 36}
